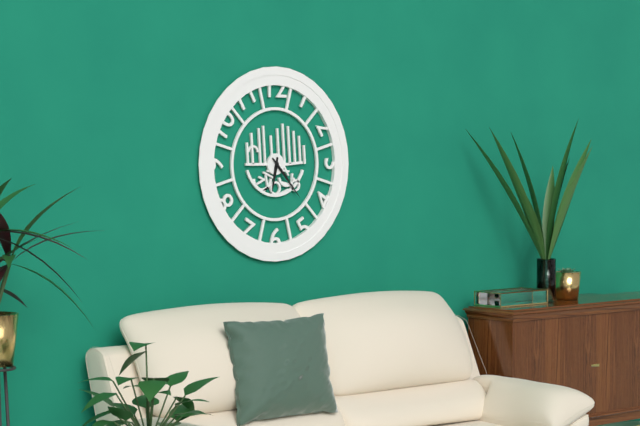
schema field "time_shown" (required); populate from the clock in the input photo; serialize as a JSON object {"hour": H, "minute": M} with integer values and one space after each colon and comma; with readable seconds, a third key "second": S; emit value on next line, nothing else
{"hour": 6, "minute": 23}
